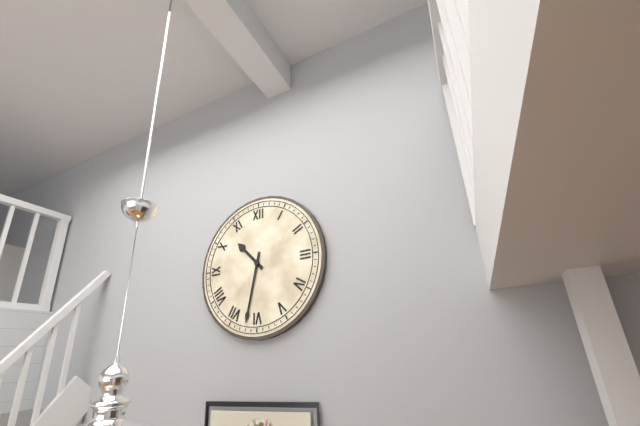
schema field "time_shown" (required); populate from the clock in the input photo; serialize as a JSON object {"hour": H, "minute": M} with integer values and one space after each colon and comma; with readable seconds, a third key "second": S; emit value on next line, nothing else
{"hour": 10, "minute": 32}
